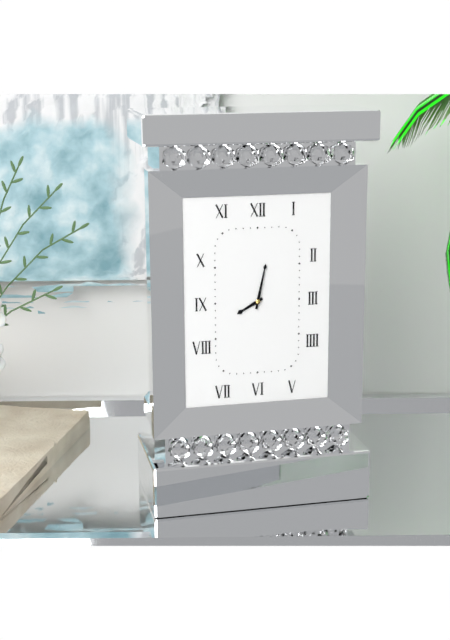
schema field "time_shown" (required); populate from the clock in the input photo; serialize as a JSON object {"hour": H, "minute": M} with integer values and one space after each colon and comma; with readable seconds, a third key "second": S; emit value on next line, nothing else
{"hour": 8, "minute": 2}
